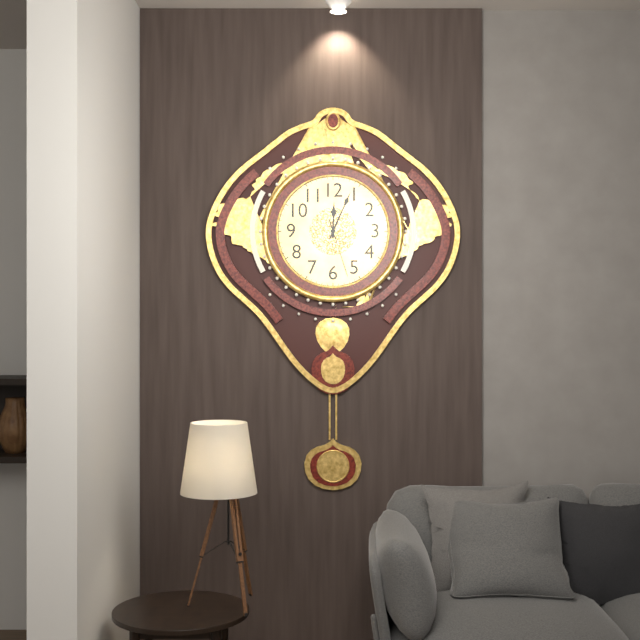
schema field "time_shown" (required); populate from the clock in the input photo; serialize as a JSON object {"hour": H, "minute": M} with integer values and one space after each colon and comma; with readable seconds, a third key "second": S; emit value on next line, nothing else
{"hour": 12, "minute": 4, "second": 27}
